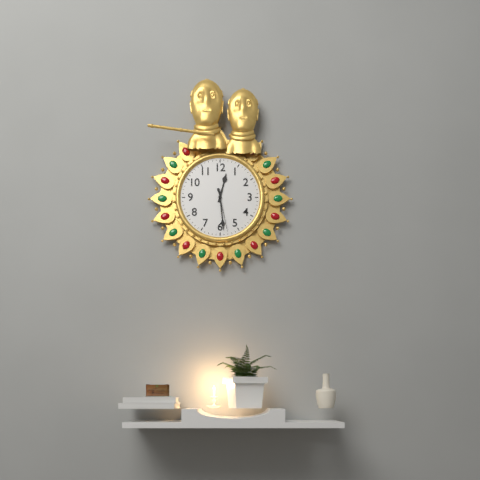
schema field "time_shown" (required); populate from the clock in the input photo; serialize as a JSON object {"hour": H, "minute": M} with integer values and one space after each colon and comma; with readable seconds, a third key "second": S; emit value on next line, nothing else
{"hour": 12, "minute": 29}
